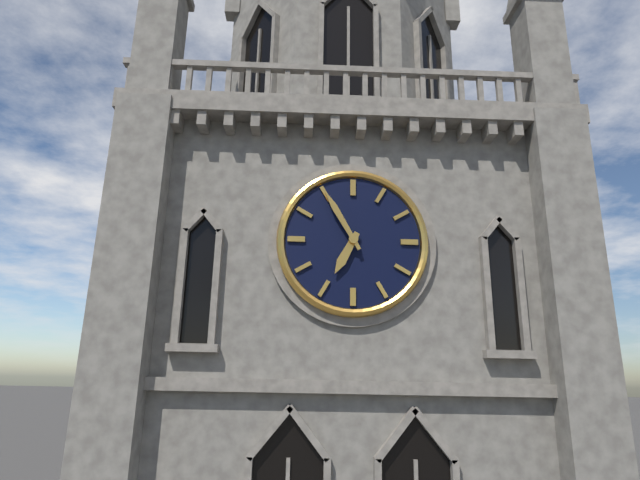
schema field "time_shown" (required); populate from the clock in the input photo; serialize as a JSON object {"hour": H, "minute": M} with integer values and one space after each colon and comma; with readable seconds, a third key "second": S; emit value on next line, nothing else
{"hour": 6, "minute": 55}
